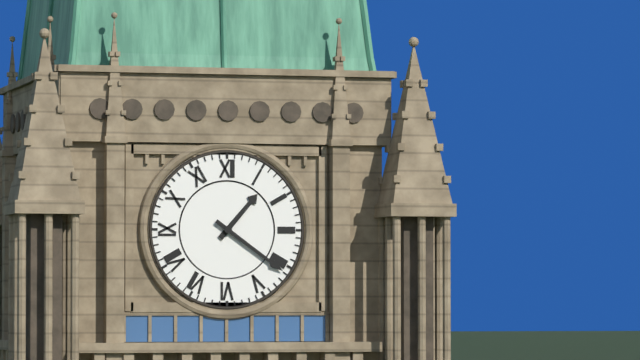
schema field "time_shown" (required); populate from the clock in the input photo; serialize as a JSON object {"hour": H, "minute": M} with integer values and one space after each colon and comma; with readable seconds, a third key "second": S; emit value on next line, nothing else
{"hour": 1, "minute": 21}
